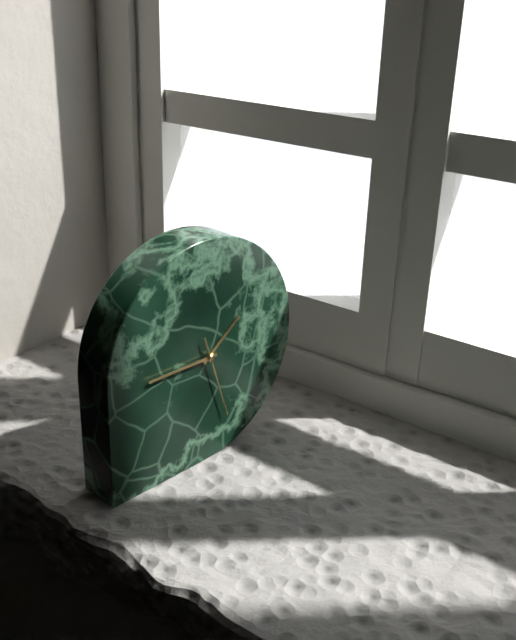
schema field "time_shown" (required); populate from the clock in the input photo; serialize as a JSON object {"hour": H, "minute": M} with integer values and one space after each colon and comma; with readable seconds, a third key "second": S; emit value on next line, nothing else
{"hour": 1, "minute": 45, "second": 27}
